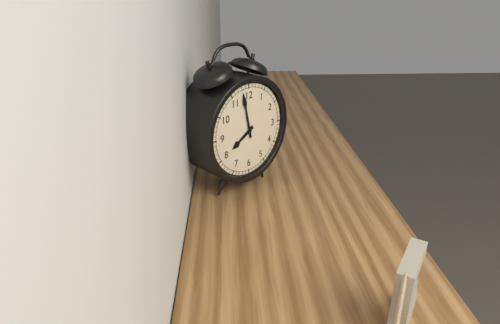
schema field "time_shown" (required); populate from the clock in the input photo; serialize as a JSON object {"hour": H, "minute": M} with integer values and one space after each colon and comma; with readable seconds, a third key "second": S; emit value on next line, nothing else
{"hour": 7, "minute": 58}
